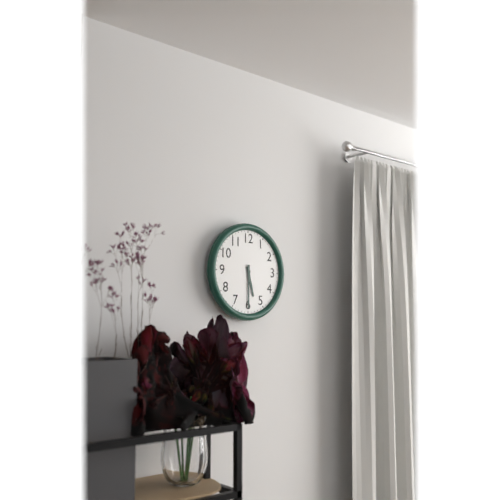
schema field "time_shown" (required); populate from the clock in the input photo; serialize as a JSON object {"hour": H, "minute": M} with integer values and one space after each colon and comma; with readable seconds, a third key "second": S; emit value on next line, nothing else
{"hour": 5, "minute": 30}
